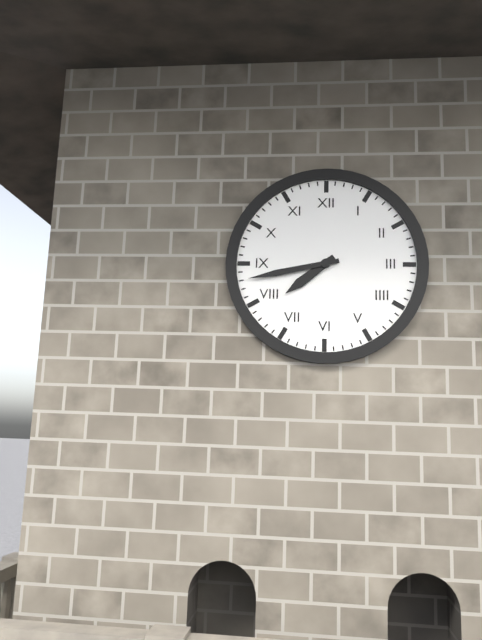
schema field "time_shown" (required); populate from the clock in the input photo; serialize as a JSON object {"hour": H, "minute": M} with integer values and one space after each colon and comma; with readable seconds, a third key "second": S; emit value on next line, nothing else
{"hour": 7, "minute": 43}
